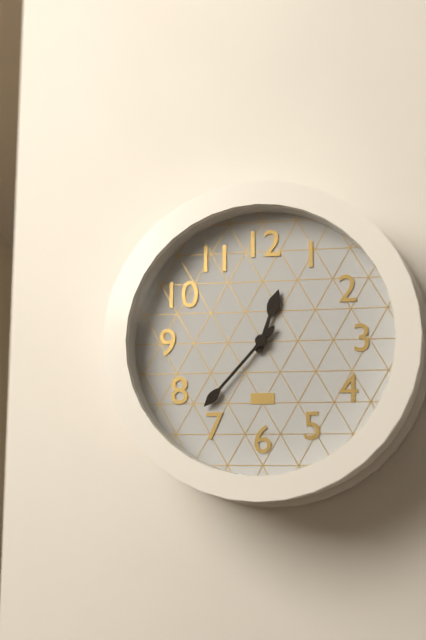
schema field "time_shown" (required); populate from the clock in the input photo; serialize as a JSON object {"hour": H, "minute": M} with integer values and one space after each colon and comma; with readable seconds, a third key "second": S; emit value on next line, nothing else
{"hour": 12, "minute": 37}
